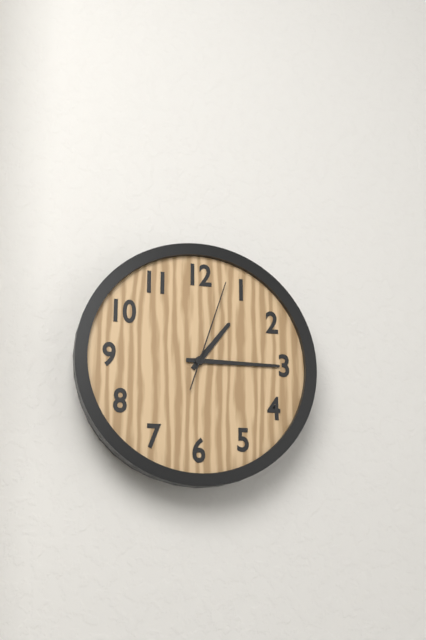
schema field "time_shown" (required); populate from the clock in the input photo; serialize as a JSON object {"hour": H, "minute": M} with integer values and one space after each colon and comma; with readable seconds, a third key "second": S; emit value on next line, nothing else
{"hour": 1, "minute": 15, "second": 3}
